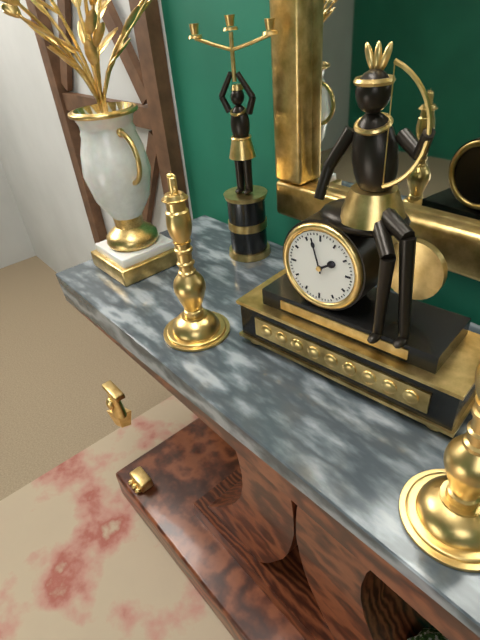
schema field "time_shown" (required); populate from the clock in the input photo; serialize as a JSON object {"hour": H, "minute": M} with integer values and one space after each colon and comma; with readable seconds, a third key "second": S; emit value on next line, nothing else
{"hour": 1, "minute": 57}
